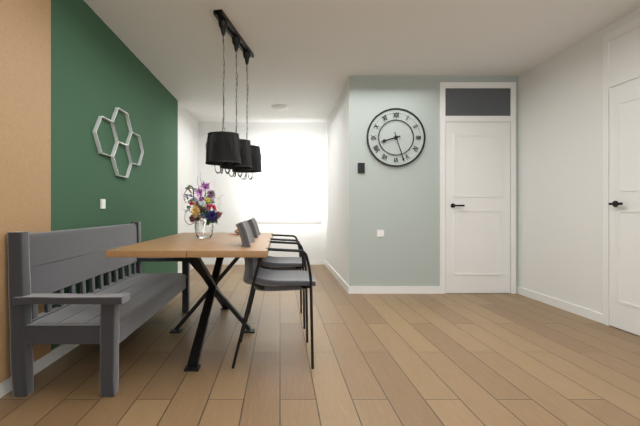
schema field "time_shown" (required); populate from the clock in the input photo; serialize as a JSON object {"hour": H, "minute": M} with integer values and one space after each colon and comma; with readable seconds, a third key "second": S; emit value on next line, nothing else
{"hour": 8, "minute": 27}
